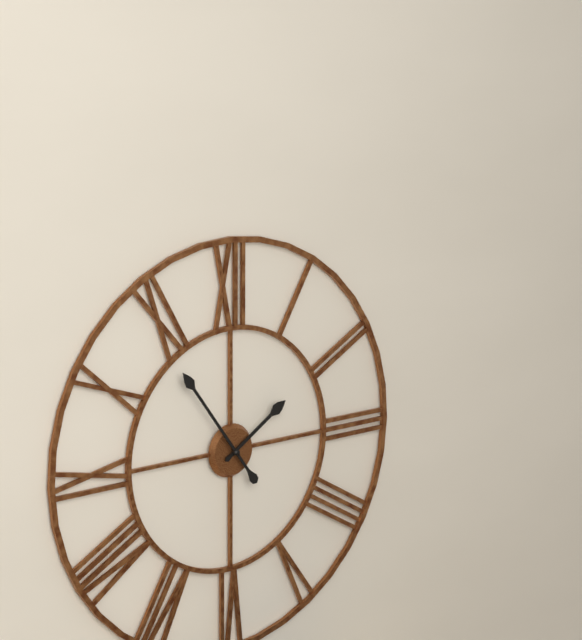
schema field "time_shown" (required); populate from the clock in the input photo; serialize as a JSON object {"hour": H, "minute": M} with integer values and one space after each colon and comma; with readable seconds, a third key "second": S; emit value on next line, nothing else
{"hour": 1, "minute": 54}
